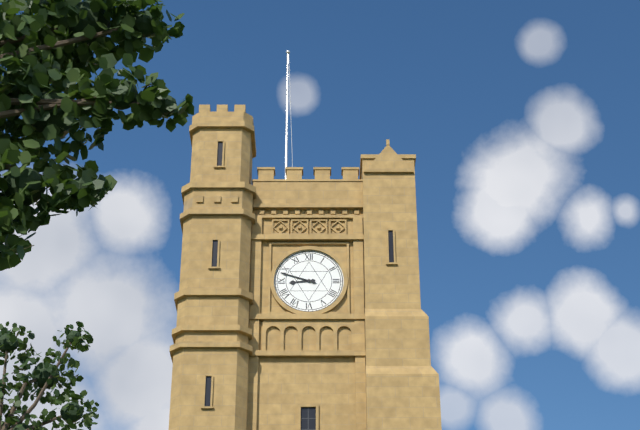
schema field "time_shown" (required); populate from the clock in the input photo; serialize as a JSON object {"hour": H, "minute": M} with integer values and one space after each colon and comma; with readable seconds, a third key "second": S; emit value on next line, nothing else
{"hour": 8, "minute": 48}
